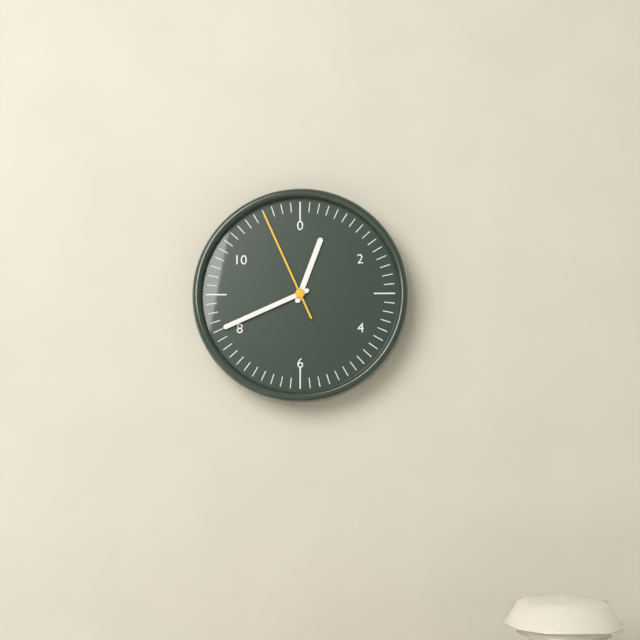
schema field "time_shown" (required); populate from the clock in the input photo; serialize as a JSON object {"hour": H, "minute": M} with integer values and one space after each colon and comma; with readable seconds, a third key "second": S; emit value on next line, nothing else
{"hour": 12, "minute": 41, "second": 56}
